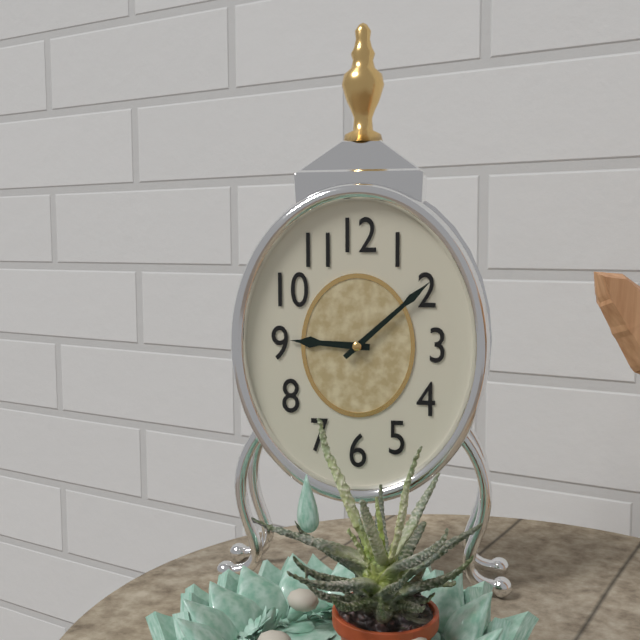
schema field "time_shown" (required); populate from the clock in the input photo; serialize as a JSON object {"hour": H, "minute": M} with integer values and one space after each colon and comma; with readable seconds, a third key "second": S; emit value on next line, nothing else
{"hour": 9, "minute": 8}
